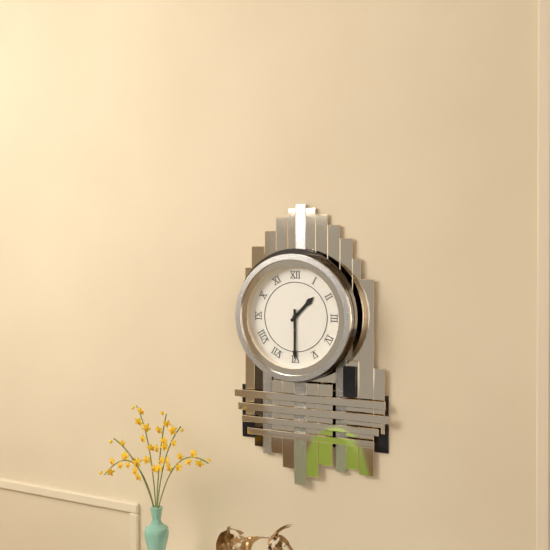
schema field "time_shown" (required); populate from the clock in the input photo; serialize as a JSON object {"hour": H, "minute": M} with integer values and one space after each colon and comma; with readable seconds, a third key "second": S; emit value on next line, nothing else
{"hour": 1, "minute": 30}
